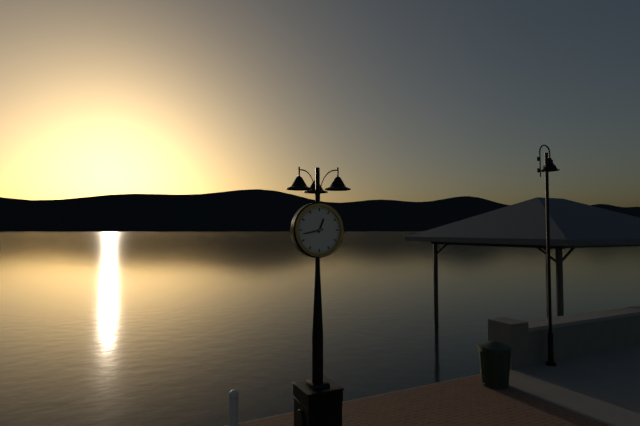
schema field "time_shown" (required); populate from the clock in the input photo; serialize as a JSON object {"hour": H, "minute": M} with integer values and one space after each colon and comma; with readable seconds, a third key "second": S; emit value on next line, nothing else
{"hour": 12, "minute": 43}
